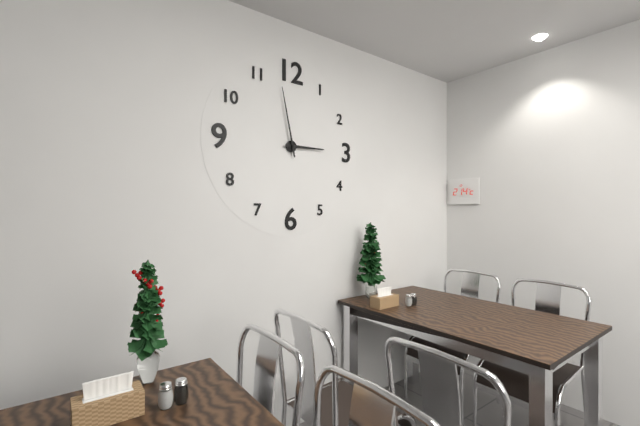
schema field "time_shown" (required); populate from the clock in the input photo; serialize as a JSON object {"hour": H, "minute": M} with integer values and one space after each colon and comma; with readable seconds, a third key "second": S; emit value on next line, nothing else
{"hour": 2, "minute": 58}
